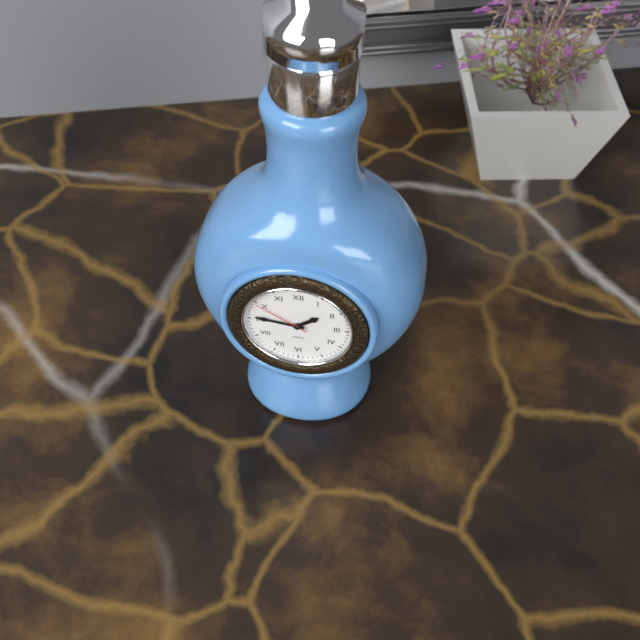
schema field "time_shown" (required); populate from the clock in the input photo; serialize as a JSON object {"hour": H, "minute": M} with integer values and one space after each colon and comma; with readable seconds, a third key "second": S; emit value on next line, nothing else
{"hour": 1, "minute": 46, "second": 50}
